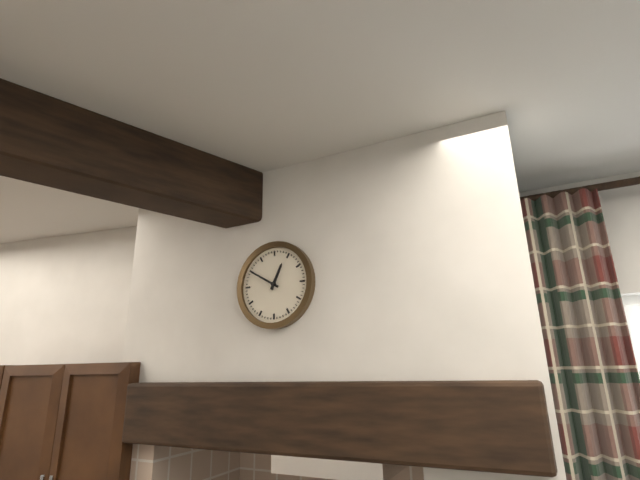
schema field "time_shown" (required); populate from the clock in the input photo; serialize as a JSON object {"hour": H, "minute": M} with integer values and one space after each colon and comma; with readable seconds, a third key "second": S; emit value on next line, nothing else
{"hour": 12, "minute": 50}
